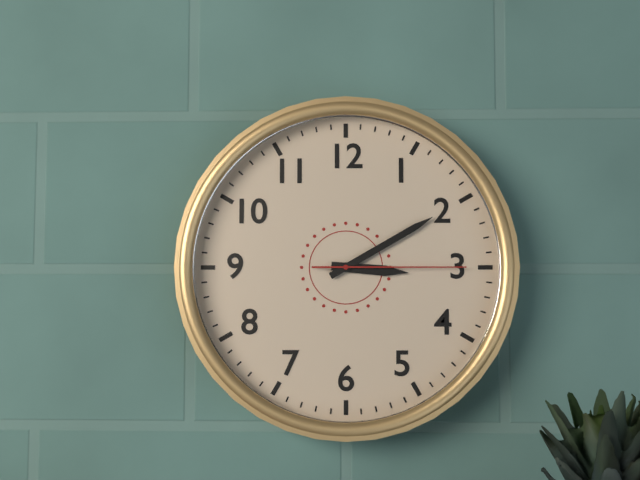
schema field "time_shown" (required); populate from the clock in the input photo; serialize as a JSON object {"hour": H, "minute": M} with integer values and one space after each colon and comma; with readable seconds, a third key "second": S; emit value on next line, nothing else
{"hour": 3, "minute": 10, "second": 15}
